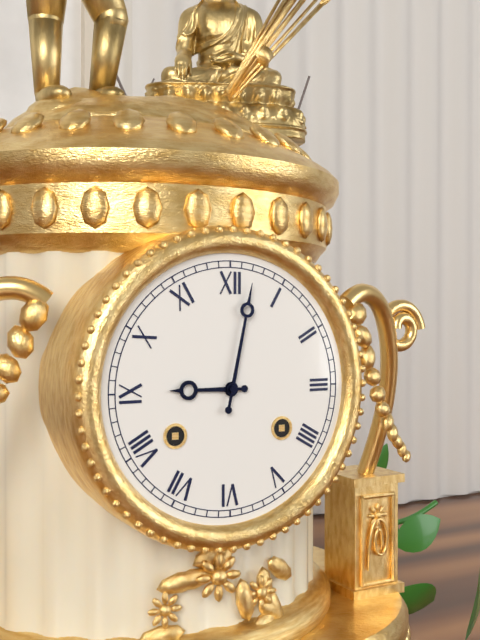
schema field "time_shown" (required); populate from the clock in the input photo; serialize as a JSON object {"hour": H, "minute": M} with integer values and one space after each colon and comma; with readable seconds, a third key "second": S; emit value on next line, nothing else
{"hour": 9, "minute": 2}
